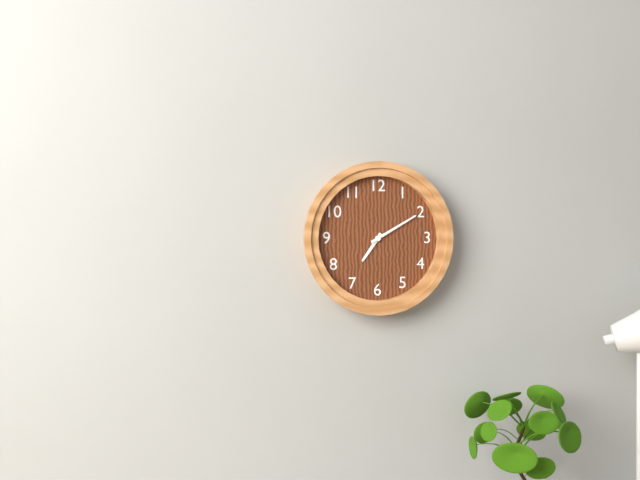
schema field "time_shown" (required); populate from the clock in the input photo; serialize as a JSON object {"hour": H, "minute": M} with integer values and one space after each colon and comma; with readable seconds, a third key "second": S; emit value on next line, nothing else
{"hour": 7, "minute": 10}
